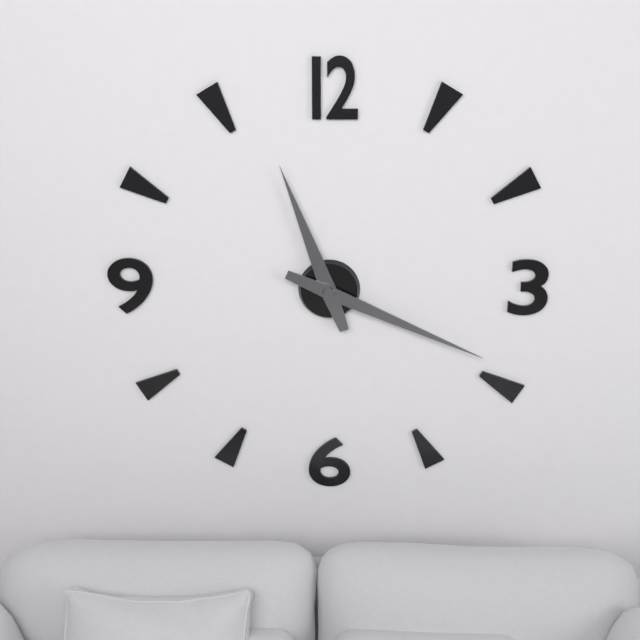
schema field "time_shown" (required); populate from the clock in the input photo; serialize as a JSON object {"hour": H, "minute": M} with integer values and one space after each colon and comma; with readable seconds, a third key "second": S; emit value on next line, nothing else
{"hour": 11, "minute": 19}
